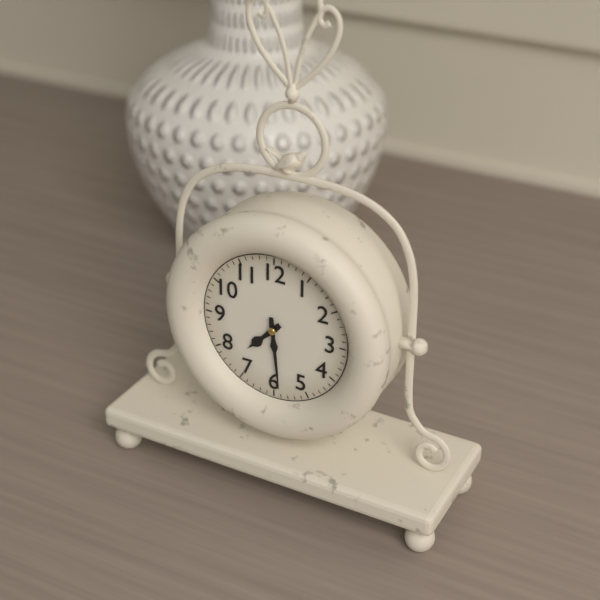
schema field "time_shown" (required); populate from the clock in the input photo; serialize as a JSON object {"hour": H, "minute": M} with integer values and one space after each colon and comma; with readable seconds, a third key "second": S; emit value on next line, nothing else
{"hour": 7, "minute": 29}
